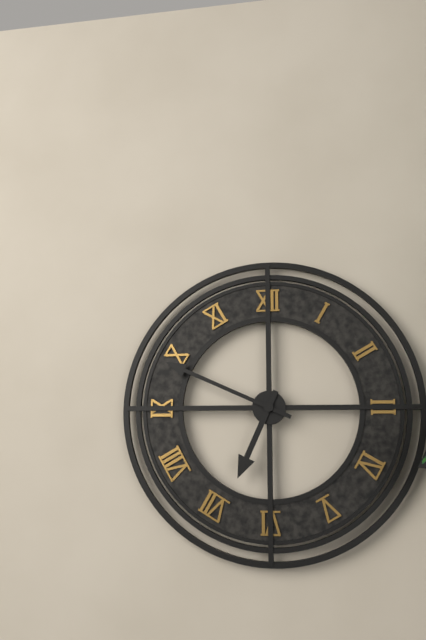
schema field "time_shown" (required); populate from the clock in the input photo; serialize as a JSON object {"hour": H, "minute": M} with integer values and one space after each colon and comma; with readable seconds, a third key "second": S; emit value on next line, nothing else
{"hour": 6, "minute": 49}
